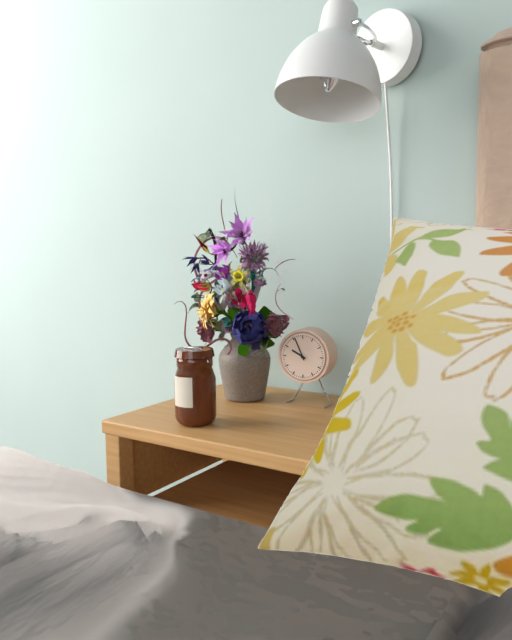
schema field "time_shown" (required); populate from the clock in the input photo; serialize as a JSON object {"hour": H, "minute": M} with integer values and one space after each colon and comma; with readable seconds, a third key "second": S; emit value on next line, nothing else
{"hour": 9, "minute": 56}
